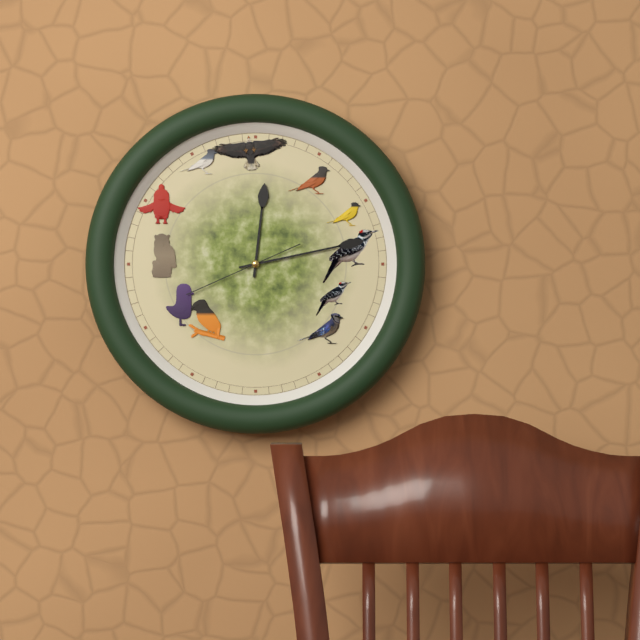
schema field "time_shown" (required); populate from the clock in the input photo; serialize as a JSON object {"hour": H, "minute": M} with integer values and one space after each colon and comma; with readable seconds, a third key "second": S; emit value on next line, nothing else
{"hour": 12, "minute": 13, "second": 41}
